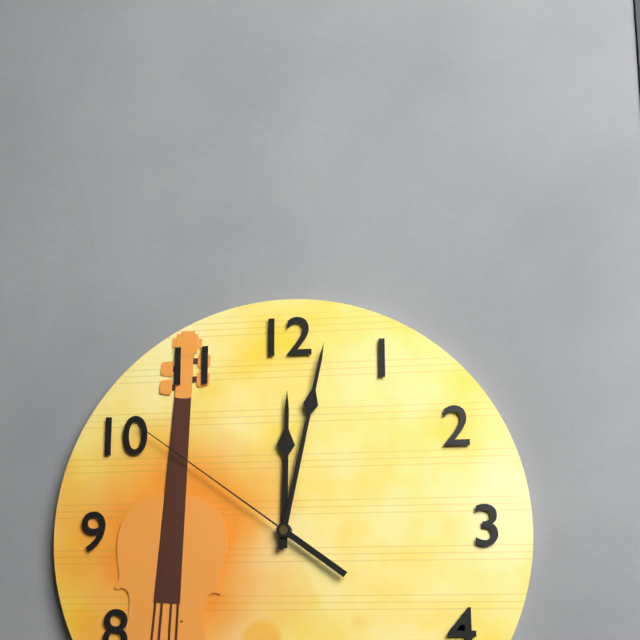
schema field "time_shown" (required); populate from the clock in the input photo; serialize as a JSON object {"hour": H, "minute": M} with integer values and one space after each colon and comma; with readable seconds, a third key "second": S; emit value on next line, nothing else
{"hour": 12, "minute": 2, "second": 51}
